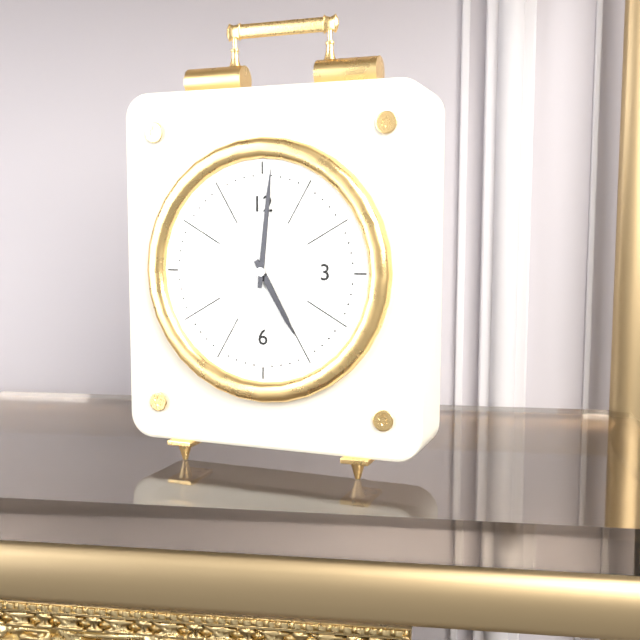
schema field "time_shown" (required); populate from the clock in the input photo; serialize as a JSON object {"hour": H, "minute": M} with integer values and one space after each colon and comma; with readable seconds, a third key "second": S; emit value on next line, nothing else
{"hour": 5, "minute": 1}
